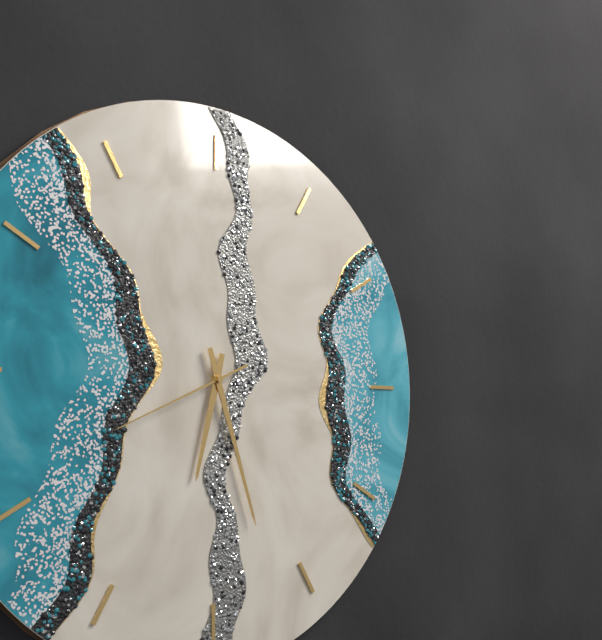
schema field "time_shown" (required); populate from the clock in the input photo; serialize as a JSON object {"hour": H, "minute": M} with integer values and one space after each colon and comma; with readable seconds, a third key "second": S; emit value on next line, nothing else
{"hour": 6, "minute": 27, "second": 41}
